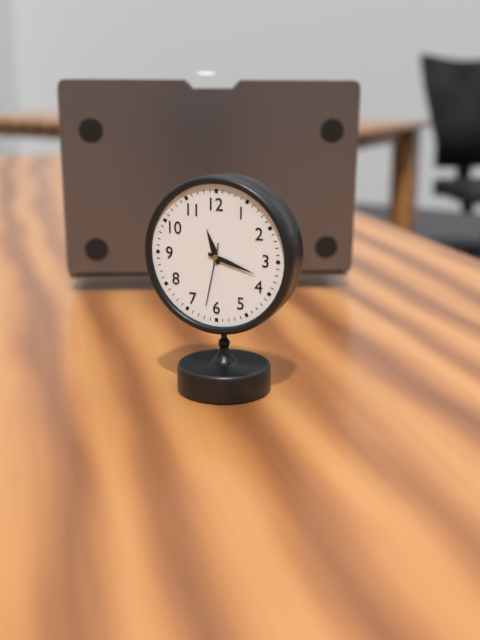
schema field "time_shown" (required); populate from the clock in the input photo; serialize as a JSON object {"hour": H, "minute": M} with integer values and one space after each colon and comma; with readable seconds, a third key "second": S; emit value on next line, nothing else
{"hour": 11, "minute": 18, "second": 32}
